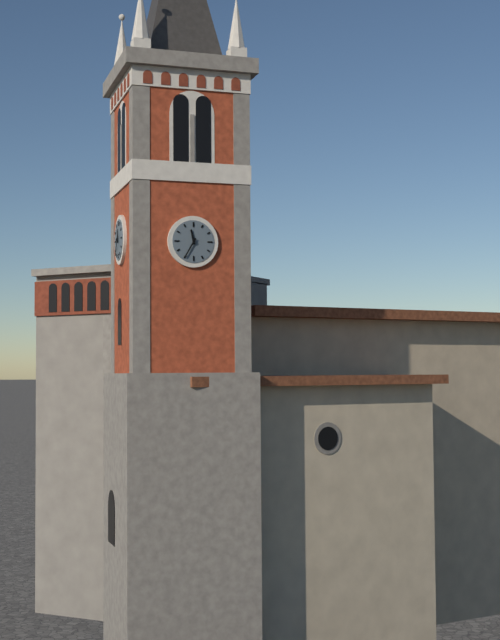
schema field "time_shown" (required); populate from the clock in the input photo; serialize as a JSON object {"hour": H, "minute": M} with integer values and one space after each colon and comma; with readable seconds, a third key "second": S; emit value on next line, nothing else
{"hour": 11, "minute": 35}
